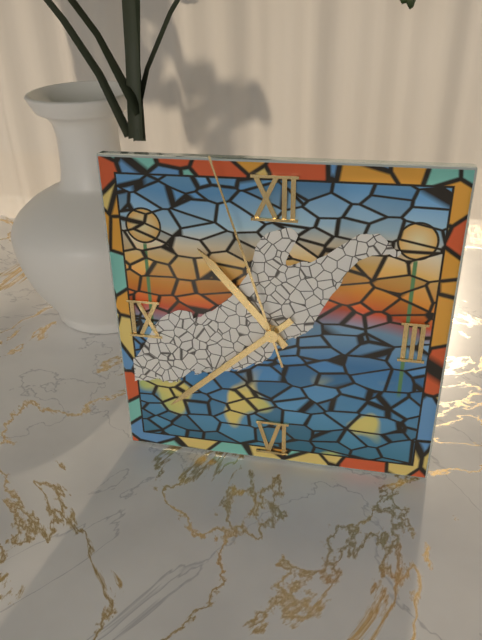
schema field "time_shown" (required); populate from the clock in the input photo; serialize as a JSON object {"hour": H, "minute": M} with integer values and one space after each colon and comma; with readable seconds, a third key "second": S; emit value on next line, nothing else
{"hour": 10, "minute": 38, "second": 57}
